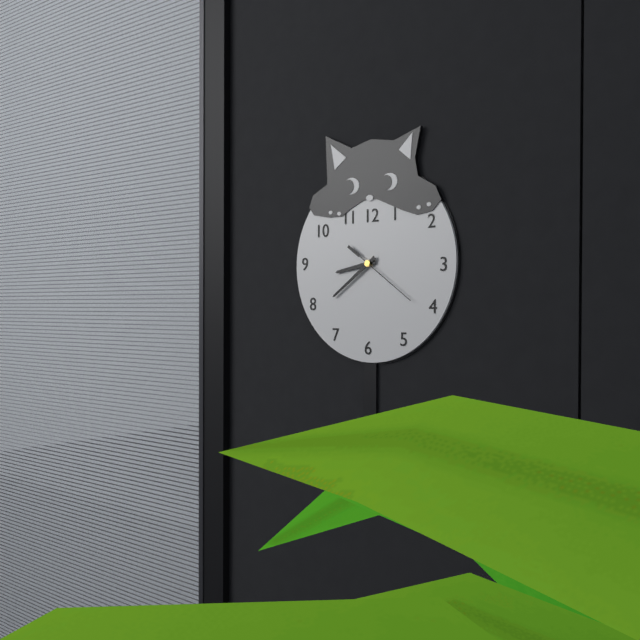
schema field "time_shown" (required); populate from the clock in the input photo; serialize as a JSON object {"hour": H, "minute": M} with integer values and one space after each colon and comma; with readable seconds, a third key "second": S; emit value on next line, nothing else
{"hour": 8, "minute": 39, "second": 21}
